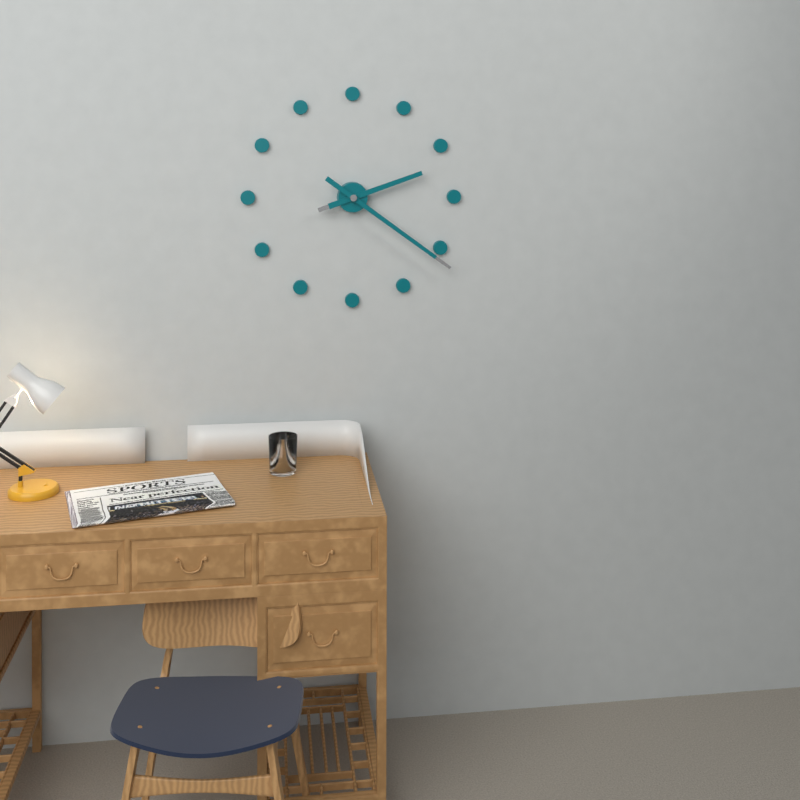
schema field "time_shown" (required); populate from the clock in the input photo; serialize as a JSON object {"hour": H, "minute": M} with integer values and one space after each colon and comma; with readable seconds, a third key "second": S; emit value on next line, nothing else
{"hour": 2, "minute": 21}
